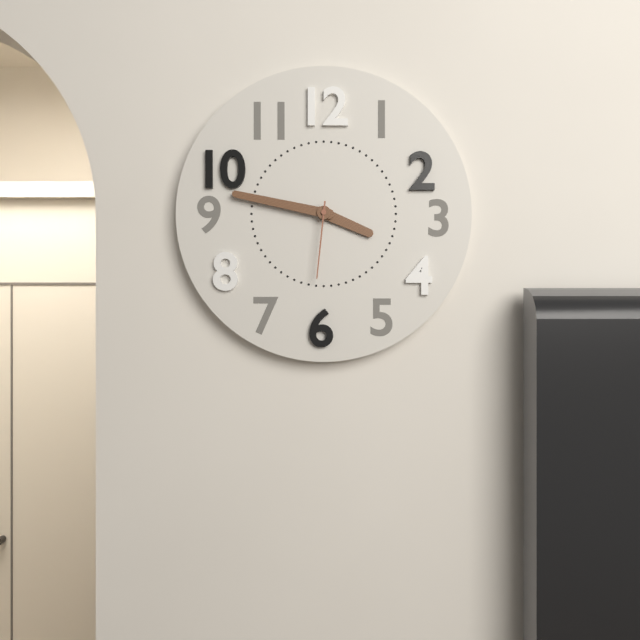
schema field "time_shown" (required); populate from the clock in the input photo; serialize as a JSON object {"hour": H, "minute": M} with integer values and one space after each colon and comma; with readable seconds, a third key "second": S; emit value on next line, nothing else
{"hour": 3, "minute": 47, "second": 31}
